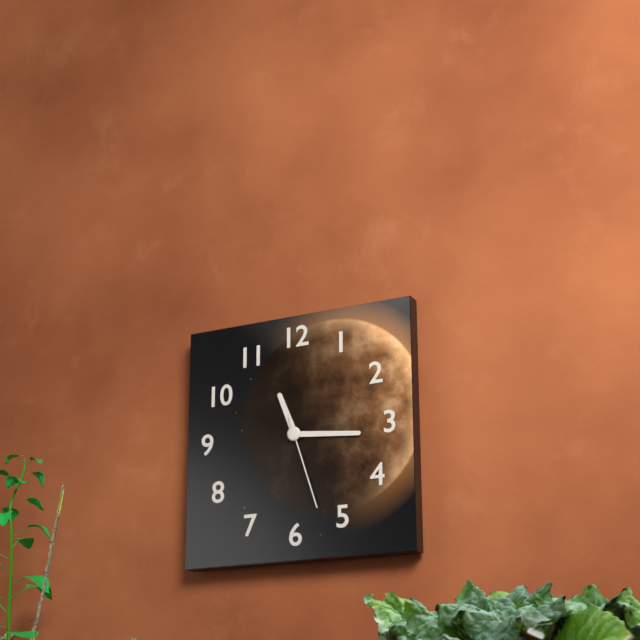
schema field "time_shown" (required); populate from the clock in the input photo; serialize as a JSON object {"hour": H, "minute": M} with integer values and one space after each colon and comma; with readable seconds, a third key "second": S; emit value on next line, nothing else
{"hour": 11, "minute": 16, "second": 27}
